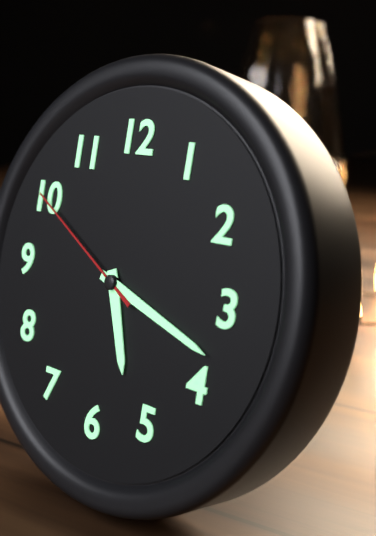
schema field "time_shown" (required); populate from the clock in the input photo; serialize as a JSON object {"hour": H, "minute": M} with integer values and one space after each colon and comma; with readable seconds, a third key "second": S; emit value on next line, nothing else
{"hour": 5, "minute": 18, "second": 50}
